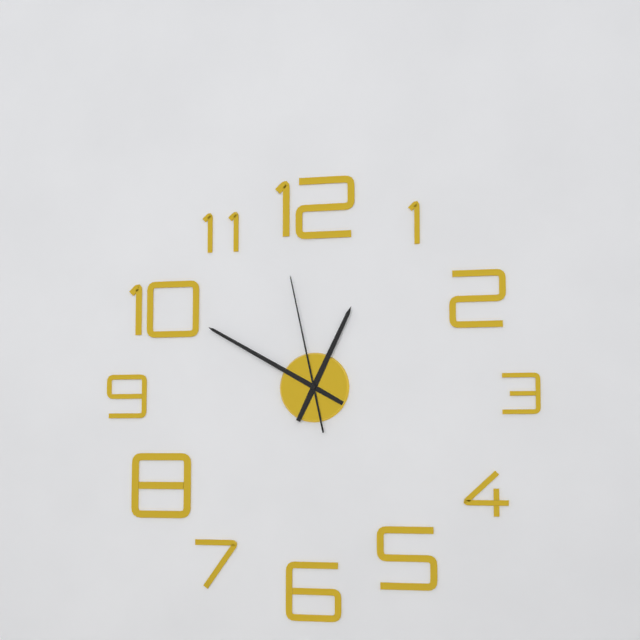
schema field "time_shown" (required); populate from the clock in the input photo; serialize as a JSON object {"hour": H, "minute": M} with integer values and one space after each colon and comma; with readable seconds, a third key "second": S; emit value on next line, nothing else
{"hour": 12, "minute": 50, "second": 58}
